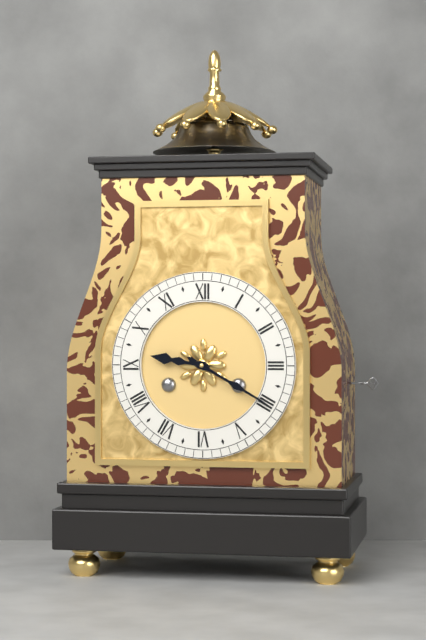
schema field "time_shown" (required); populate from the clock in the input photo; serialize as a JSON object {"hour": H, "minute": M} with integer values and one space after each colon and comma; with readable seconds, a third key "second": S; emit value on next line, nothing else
{"hour": 9, "minute": 20}
